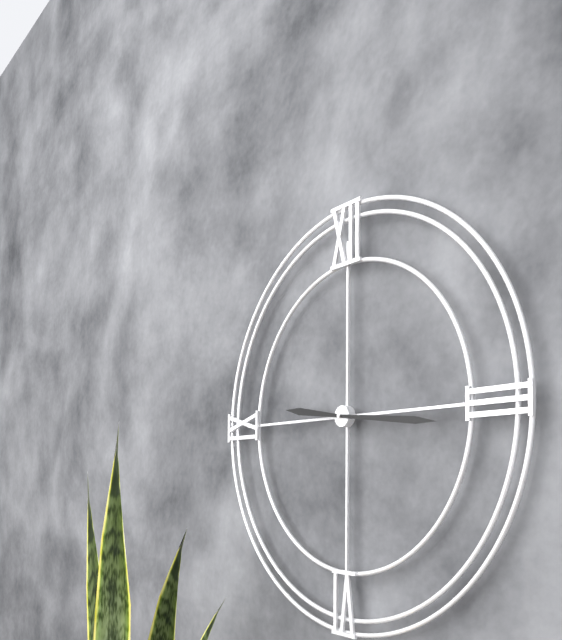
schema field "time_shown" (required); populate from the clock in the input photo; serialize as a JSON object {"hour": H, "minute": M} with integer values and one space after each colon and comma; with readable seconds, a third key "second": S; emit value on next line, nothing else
{"hour": 9, "minute": 16}
